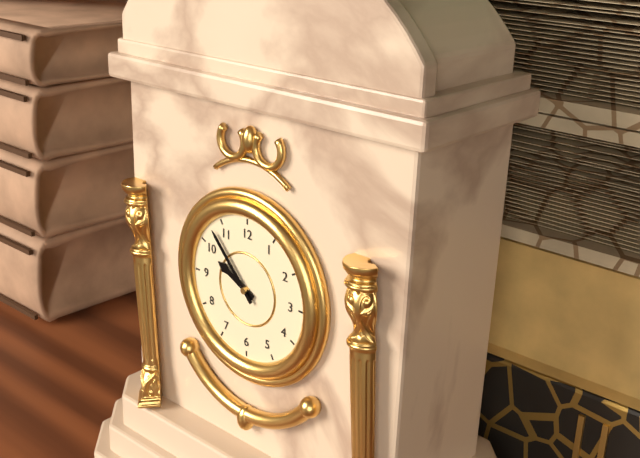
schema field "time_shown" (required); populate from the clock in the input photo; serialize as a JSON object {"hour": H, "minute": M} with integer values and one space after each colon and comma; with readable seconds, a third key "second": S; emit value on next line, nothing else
{"hour": 9, "minute": 53}
